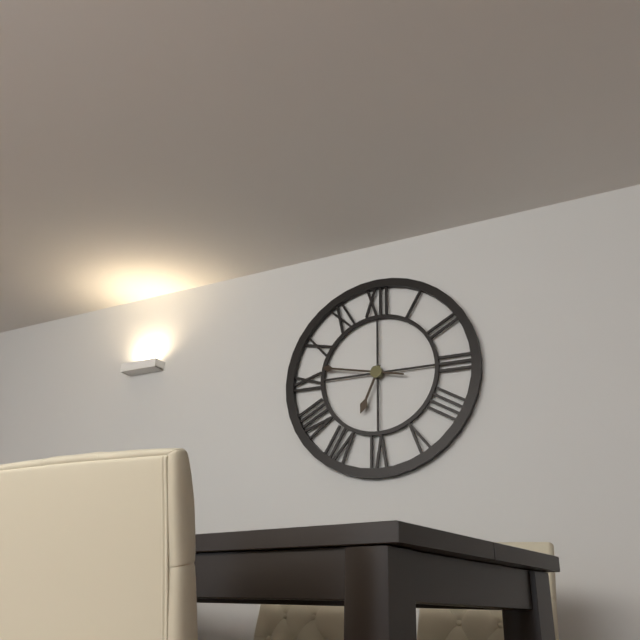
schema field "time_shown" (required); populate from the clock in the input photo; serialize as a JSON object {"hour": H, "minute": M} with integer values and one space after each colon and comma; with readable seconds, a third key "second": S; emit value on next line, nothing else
{"hour": 6, "minute": 47}
